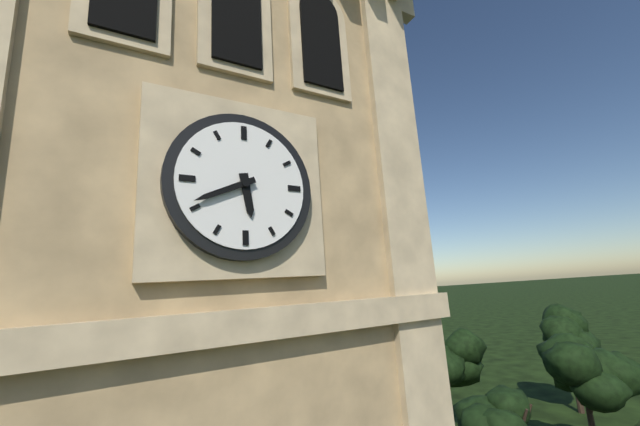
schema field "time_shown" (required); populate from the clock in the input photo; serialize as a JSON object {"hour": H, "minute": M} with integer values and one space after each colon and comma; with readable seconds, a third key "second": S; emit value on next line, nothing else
{"hour": 5, "minute": 41}
